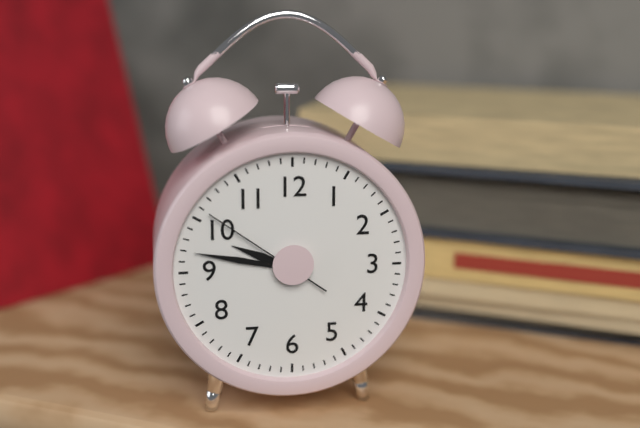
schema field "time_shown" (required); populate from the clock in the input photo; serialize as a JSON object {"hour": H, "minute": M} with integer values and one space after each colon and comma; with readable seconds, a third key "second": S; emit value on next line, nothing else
{"hour": 9, "minute": 47, "second": 51}
